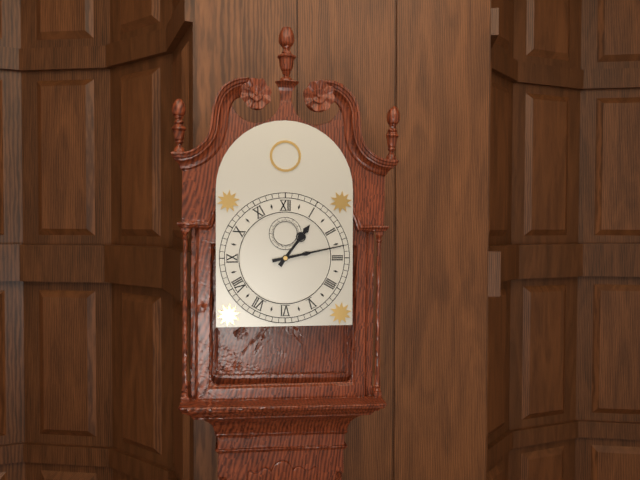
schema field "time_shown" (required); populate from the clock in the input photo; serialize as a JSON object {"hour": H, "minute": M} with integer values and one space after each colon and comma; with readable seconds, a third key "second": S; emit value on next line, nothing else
{"hour": 1, "minute": 13}
